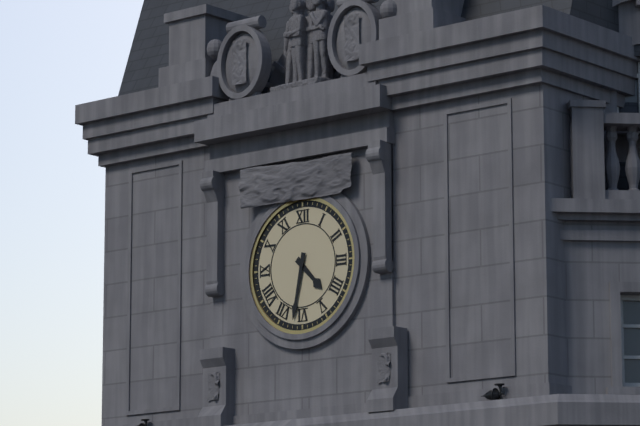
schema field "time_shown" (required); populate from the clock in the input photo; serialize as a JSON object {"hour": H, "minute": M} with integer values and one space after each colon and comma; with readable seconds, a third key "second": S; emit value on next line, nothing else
{"hour": 4, "minute": 32}
